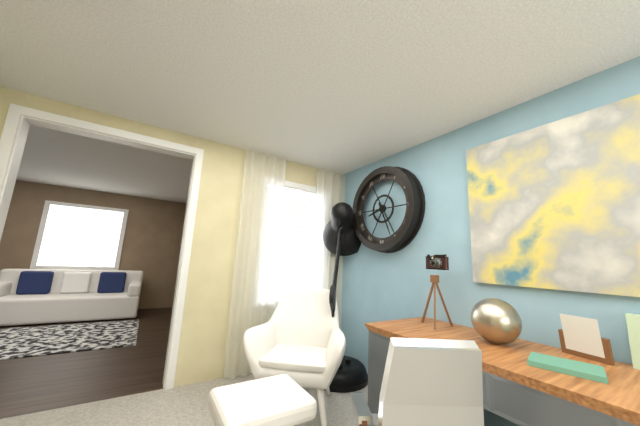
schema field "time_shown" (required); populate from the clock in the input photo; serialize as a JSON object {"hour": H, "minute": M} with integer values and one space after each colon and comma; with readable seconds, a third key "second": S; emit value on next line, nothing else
{"hour": 8, "minute": 26}
